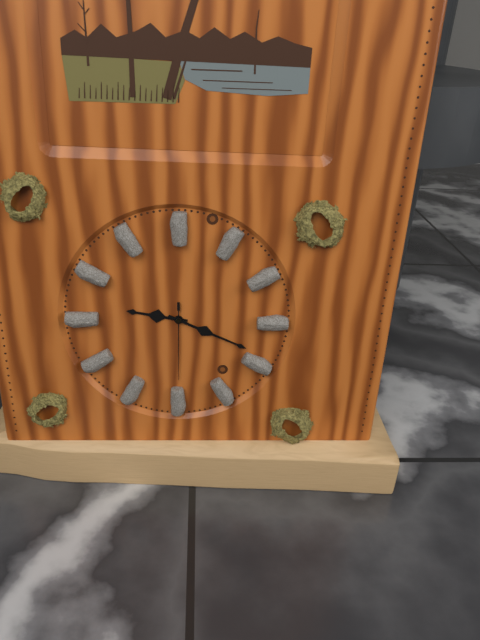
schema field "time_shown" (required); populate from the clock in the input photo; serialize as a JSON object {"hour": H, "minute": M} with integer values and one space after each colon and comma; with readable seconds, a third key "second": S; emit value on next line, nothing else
{"hour": 9, "minute": 19, "second": 30}
